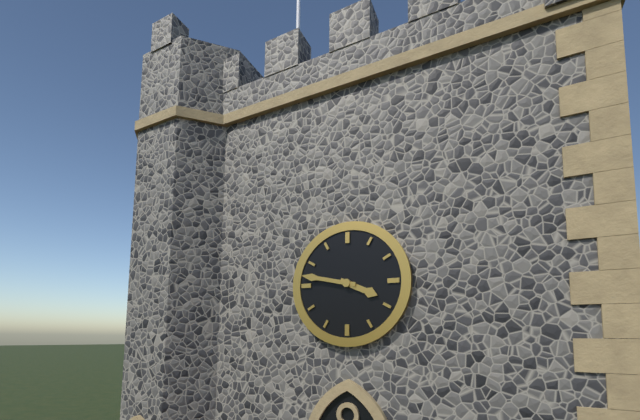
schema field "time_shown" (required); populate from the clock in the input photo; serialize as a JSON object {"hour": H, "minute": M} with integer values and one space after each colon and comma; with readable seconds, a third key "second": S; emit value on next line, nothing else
{"hour": 3, "minute": 47}
